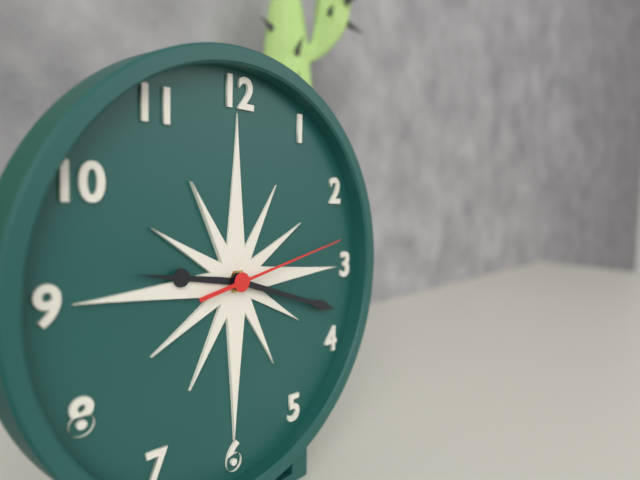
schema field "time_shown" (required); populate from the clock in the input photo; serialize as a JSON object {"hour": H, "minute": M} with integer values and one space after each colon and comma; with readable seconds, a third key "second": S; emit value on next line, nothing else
{"hour": 9, "minute": 18, "second": 13}
